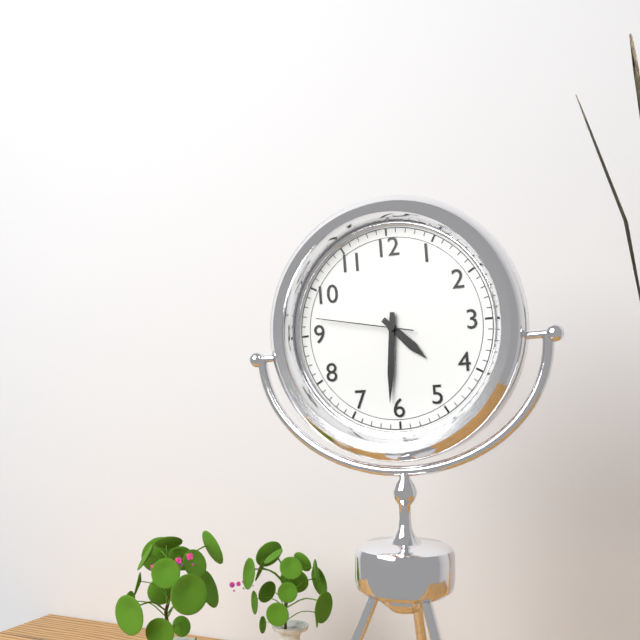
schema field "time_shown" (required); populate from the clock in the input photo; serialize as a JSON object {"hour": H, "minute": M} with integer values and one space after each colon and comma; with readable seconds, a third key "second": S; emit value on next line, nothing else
{"hour": 4, "minute": 31, "second": 47}
